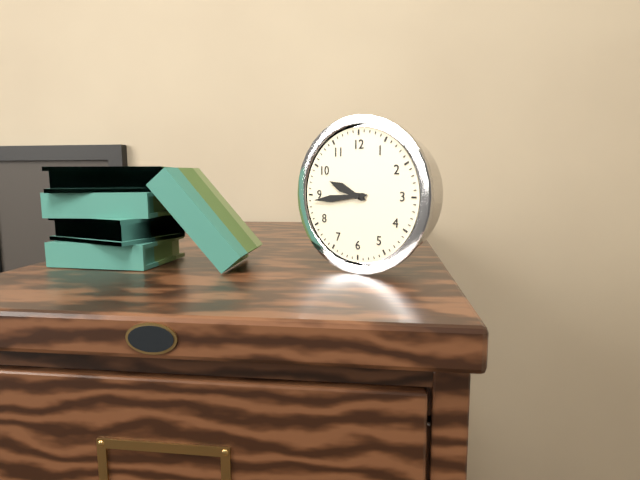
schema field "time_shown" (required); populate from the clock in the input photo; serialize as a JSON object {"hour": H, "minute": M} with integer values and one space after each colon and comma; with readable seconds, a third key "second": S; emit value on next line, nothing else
{"hour": 9, "minute": 44}
